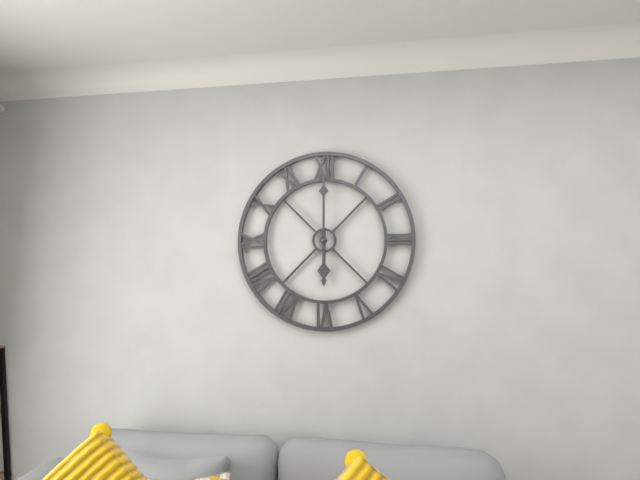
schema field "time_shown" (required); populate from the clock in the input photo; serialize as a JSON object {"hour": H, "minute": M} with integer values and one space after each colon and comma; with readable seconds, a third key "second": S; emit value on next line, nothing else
{"hour": 6, "minute": 0}
